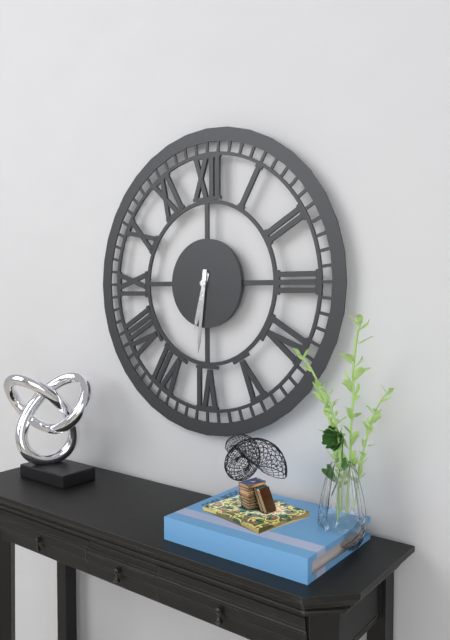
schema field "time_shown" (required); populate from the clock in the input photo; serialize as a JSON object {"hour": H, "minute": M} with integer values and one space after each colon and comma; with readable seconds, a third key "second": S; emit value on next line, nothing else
{"hour": 6, "minute": 31}
